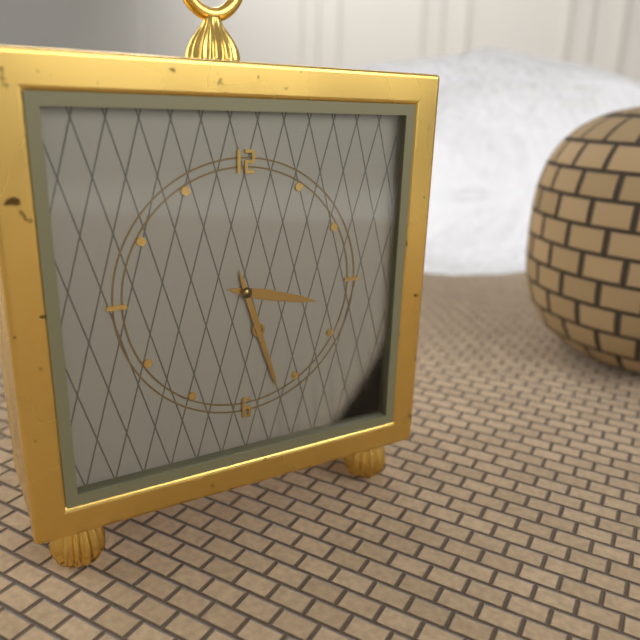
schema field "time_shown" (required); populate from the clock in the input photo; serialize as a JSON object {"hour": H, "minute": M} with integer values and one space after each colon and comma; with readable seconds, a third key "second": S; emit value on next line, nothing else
{"hour": 3, "minute": 27}
